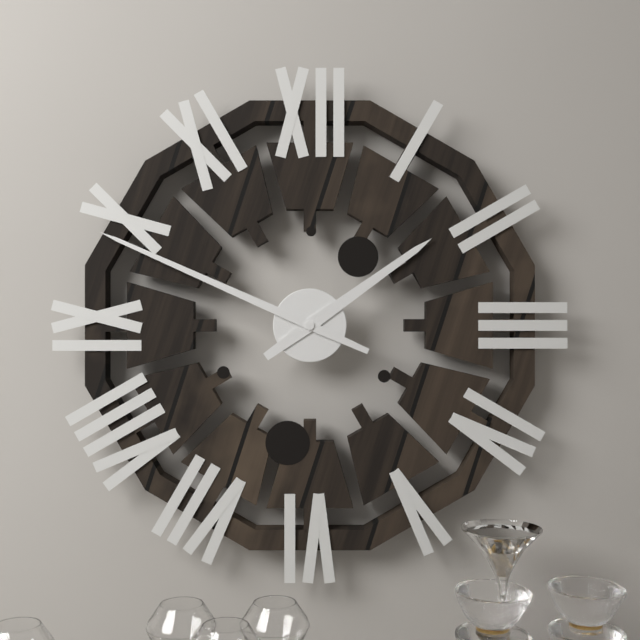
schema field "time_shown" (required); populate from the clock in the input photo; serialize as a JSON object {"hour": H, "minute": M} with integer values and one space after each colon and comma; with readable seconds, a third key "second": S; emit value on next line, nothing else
{"hour": 1, "minute": 49}
